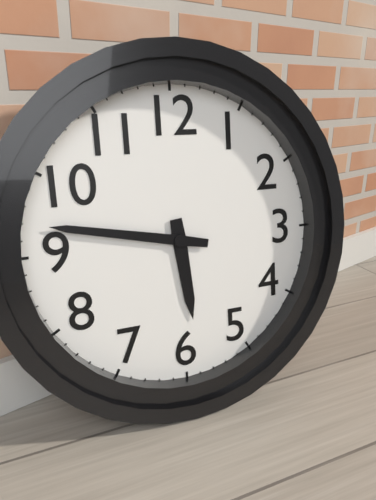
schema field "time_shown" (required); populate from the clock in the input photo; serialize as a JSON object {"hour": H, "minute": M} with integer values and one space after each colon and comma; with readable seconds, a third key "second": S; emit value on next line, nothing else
{"hour": 5, "minute": 47}
